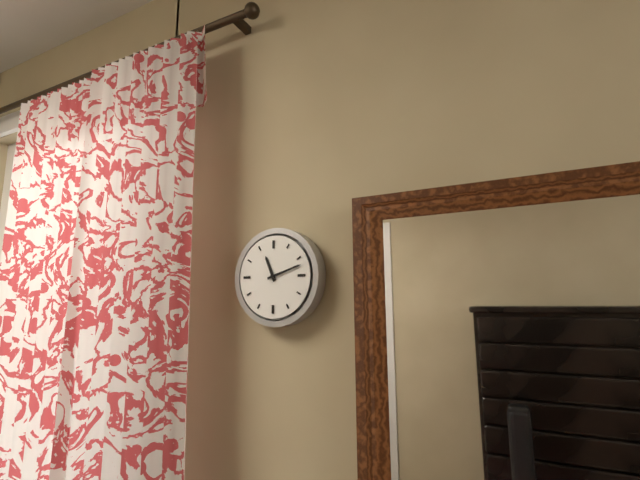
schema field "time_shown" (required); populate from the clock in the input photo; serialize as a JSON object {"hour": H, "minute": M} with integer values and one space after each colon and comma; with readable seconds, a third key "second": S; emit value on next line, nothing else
{"hour": 11, "minute": 12}
